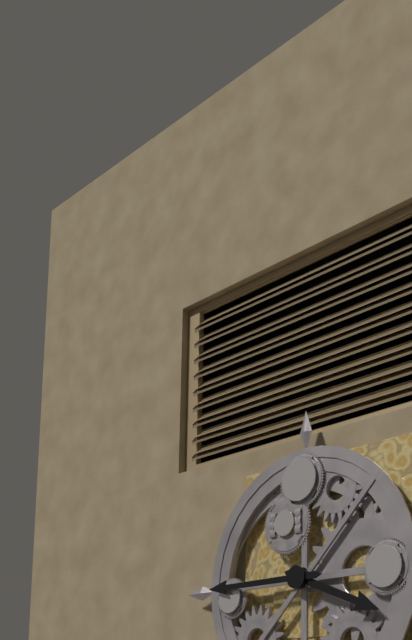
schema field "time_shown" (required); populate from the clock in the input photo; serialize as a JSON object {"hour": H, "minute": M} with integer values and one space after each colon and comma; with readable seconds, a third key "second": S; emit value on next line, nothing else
{"hour": 3, "minute": 45}
